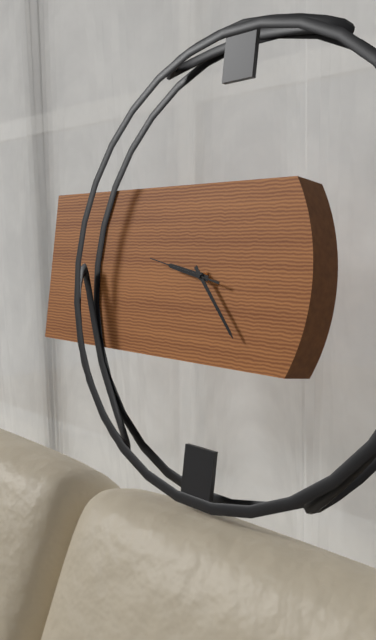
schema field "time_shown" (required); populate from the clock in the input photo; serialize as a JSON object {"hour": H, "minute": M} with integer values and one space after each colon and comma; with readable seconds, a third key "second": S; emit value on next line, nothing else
{"hour": 9, "minute": 23, "second": 47}
